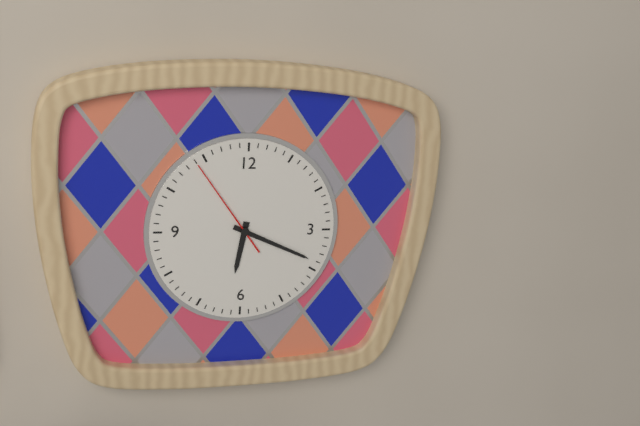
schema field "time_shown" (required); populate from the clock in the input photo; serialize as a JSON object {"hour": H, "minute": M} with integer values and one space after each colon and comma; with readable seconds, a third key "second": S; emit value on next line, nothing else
{"hour": 6, "minute": 19, "second": 54}
